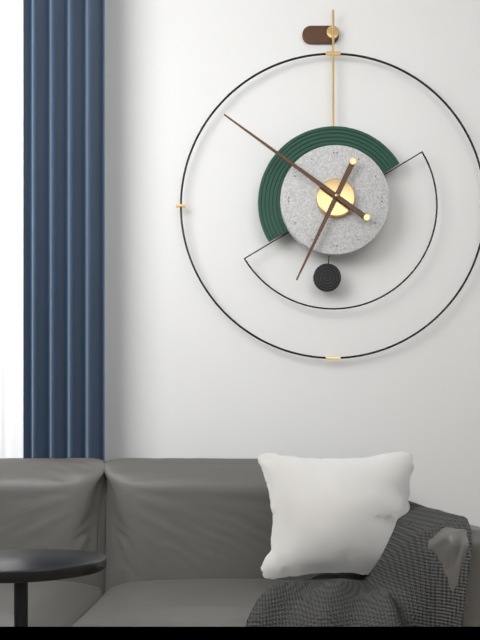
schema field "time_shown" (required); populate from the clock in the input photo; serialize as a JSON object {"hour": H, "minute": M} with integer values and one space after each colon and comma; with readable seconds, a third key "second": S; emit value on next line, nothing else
{"hour": 6, "minute": 51}
